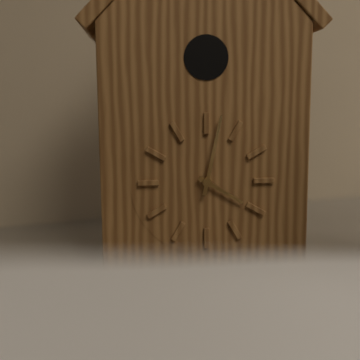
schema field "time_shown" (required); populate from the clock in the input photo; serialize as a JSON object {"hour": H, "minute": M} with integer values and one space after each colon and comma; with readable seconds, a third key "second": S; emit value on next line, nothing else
{"hour": 4, "minute": 2}
